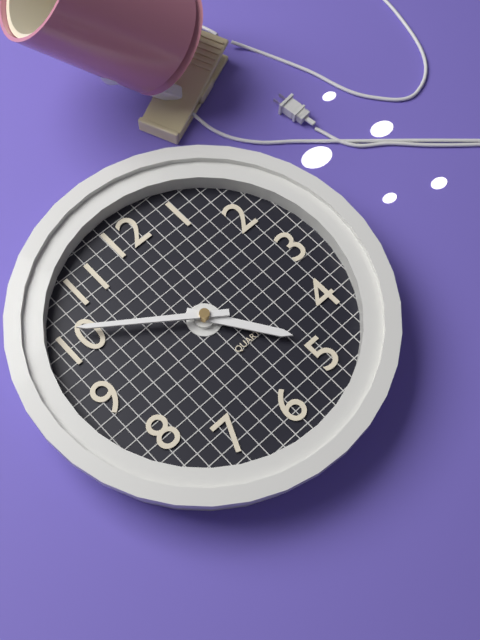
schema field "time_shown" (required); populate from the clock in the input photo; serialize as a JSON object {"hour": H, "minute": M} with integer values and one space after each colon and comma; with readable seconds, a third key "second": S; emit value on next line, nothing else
{"hour": 4, "minute": 51}
